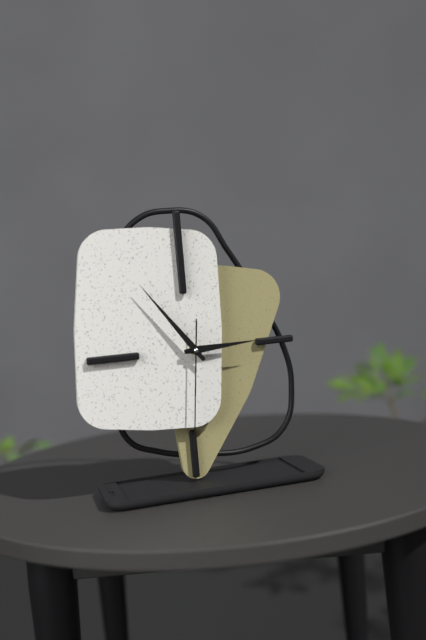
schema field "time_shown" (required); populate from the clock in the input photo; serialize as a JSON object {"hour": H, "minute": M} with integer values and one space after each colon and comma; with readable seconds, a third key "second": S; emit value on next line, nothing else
{"hour": 2, "minute": 54, "second": 31}
